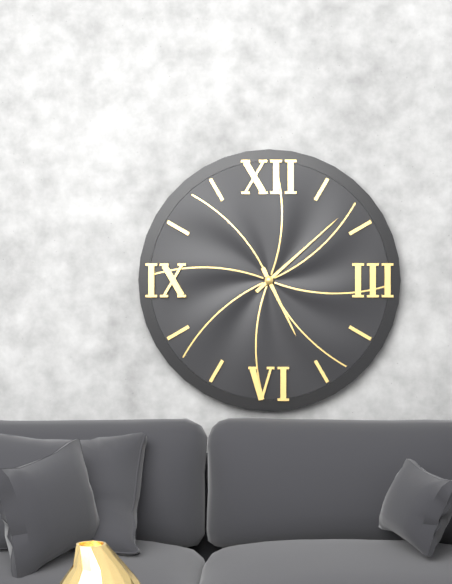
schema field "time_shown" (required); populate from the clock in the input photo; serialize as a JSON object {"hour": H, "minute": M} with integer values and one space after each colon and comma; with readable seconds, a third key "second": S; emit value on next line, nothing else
{"hour": 5, "minute": 8}
